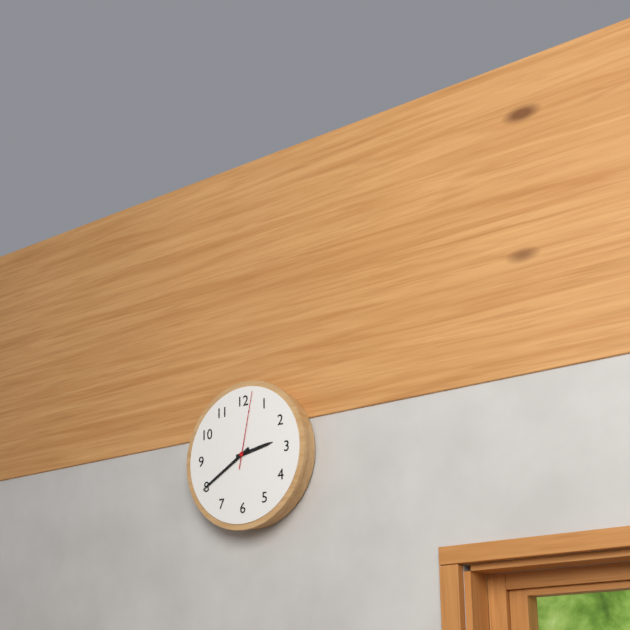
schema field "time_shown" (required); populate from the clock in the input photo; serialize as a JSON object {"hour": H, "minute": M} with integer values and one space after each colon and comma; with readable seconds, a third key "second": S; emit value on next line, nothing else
{"hour": 2, "minute": 40, "second": 2}
